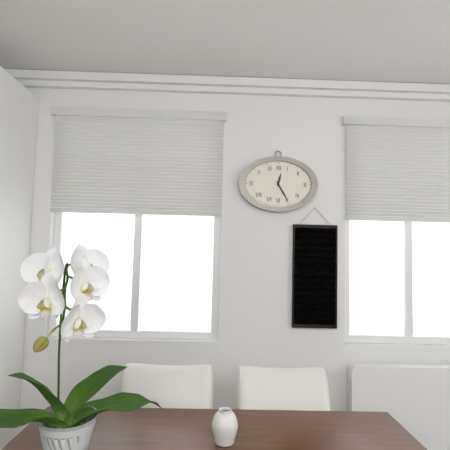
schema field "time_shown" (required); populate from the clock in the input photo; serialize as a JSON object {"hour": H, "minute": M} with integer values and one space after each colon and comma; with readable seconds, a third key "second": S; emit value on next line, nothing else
{"hour": 12, "minute": 25}
